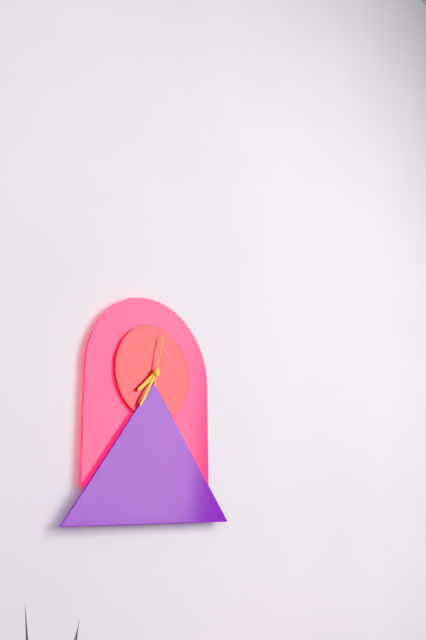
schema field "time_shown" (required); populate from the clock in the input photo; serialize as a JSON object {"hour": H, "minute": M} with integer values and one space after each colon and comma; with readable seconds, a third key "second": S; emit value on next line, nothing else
{"hour": 7, "minute": 35}
